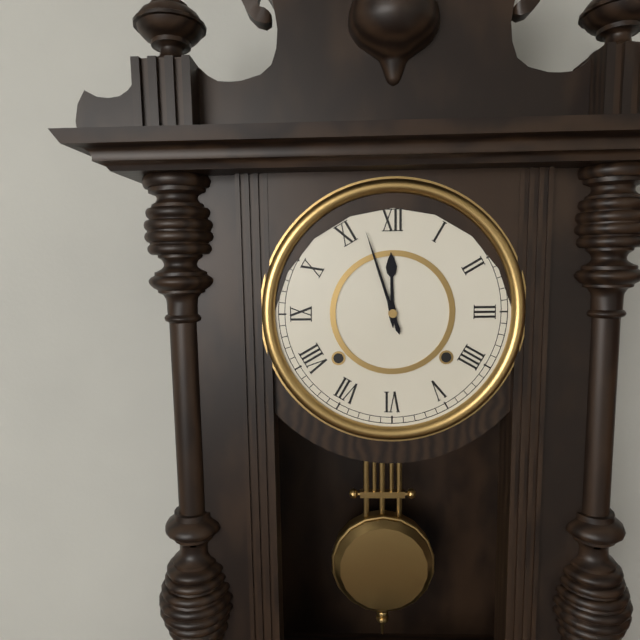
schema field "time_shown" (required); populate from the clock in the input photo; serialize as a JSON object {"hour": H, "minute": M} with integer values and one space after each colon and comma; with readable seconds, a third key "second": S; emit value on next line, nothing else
{"hour": 11, "minute": 57}
